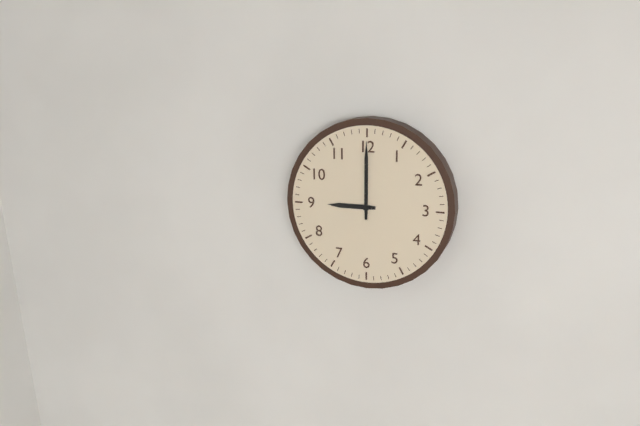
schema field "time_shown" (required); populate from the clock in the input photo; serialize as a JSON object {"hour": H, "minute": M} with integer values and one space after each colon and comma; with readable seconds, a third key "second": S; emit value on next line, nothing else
{"hour": 9, "minute": 0}
